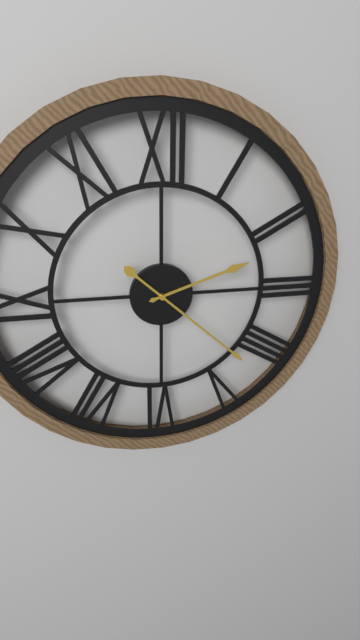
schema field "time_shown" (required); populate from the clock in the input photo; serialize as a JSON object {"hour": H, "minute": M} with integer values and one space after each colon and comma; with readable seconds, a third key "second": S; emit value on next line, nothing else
{"hour": 2, "minute": 22}
